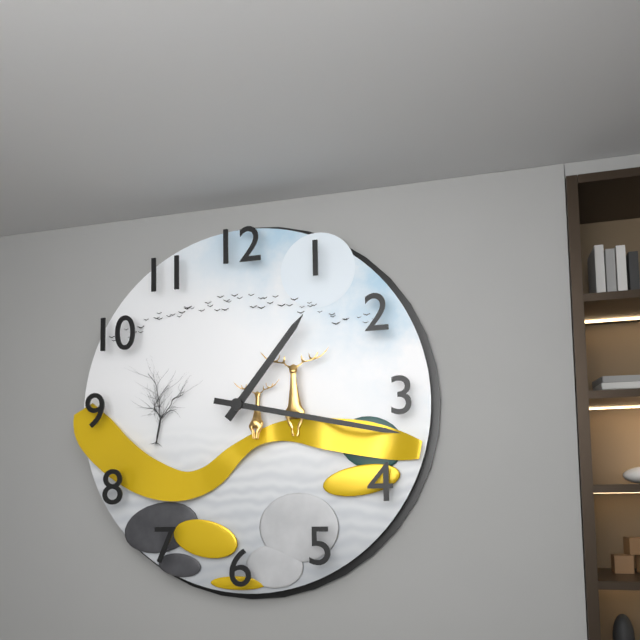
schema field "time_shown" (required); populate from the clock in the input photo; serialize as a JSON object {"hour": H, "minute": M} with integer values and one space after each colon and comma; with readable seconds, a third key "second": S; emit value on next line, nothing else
{"hour": 1, "minute": 17}
